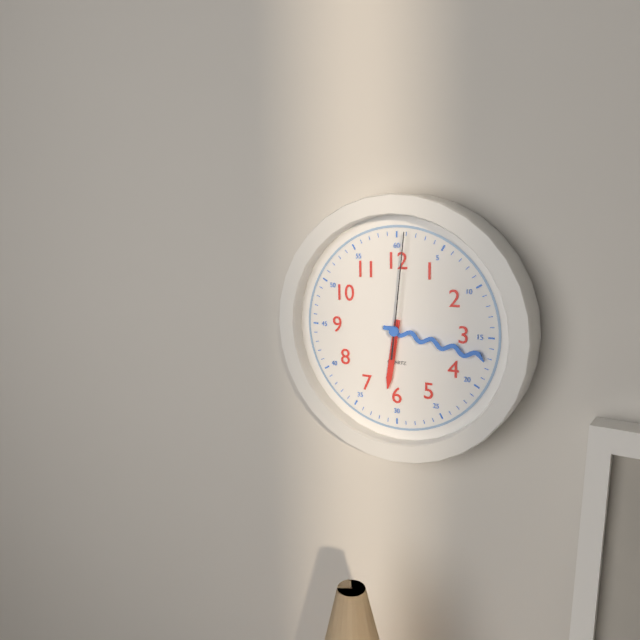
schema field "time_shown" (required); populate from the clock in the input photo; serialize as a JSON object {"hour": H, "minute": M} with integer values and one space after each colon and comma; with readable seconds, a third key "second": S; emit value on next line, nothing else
{"hour": 6, "minute": 17, "second": 1}
